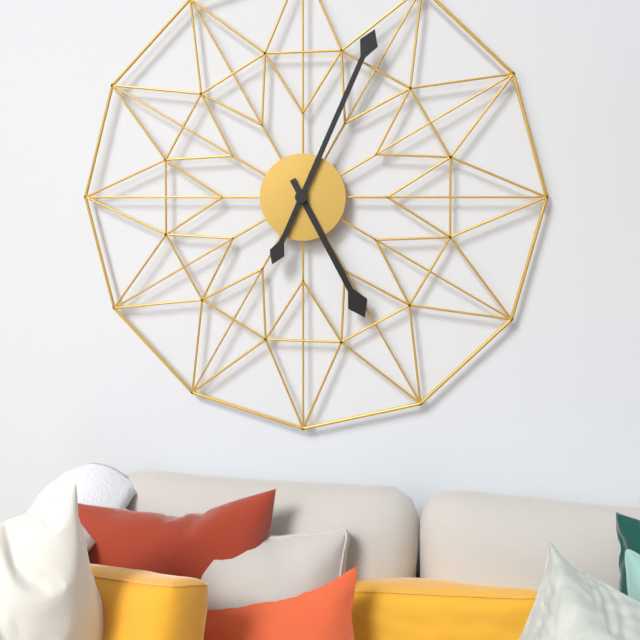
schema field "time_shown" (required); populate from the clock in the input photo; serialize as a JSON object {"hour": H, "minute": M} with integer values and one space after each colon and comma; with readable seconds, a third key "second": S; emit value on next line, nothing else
{"hour": 5, "minute": 4}
